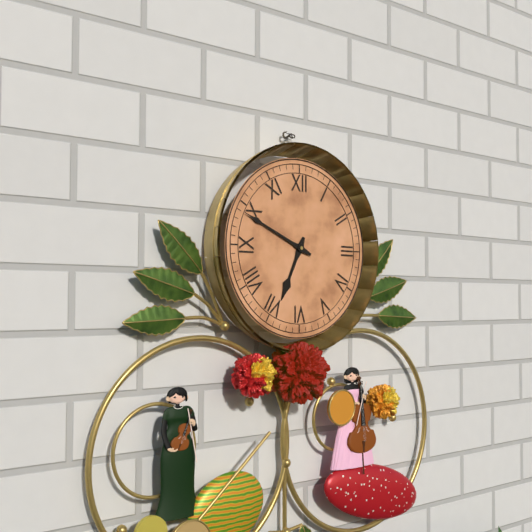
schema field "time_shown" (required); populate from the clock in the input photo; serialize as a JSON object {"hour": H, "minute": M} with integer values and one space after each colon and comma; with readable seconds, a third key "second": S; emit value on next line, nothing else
{"hour": 6, "minute": 49}
